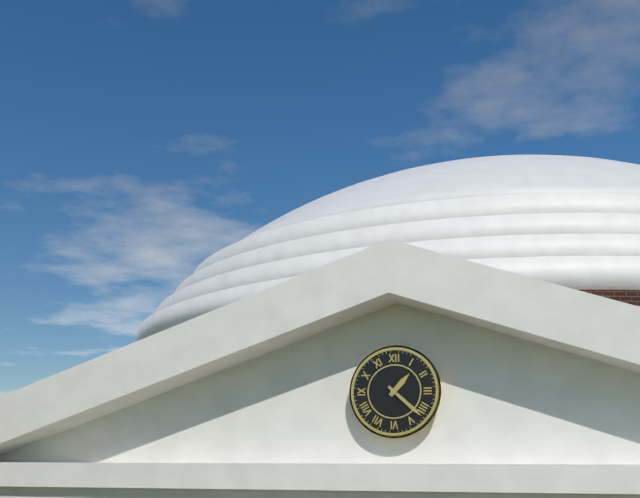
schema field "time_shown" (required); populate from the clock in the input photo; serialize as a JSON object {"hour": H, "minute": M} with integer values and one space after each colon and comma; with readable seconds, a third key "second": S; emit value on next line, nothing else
{"hour": 1, "minute": 22}
